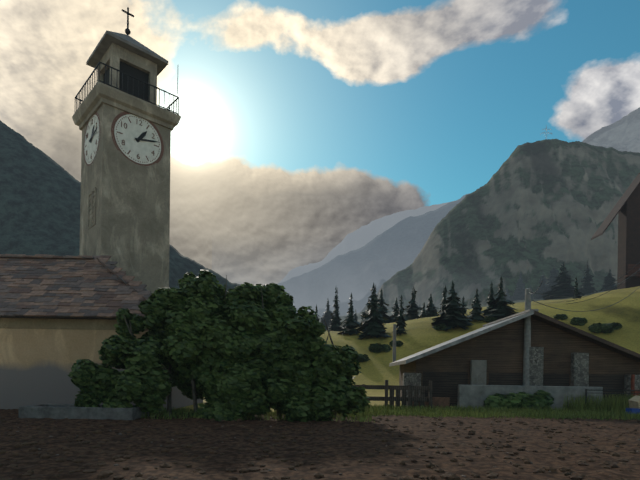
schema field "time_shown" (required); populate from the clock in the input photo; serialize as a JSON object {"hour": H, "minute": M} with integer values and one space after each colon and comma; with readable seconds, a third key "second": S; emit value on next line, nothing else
{"hour": 1, "minute": 13}
